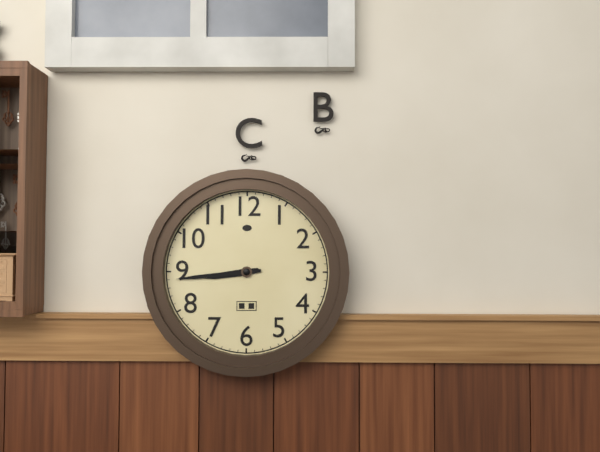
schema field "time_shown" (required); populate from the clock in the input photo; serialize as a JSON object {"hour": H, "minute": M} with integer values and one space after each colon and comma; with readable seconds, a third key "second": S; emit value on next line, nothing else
{"hour": 8, "minute": 44}
